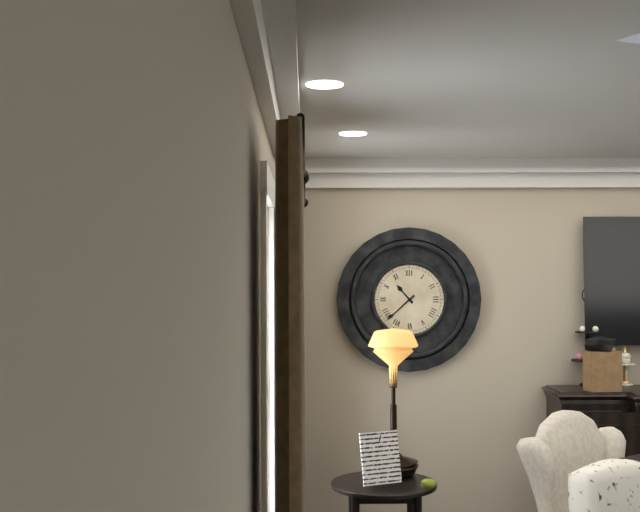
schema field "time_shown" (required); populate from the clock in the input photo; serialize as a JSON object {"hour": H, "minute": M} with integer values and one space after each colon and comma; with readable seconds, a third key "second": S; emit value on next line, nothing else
{"hour": 10, "minute": 38}
